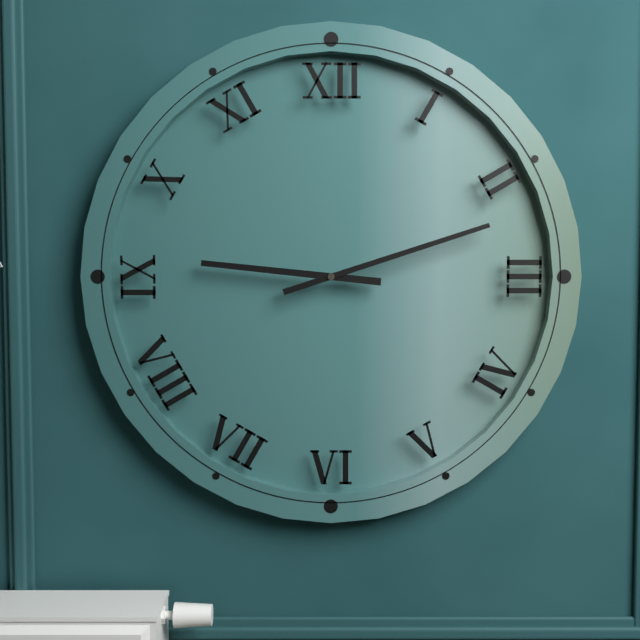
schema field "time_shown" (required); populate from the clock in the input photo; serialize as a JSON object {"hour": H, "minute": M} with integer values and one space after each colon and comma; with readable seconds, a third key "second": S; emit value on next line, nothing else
{"hour": 9, "minute": 12}
